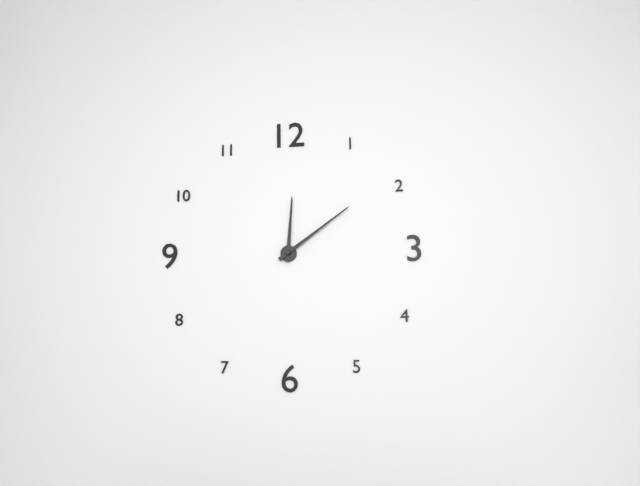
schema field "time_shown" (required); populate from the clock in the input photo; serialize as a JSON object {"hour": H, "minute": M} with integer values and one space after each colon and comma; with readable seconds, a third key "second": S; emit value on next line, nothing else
{"hour": 12, "minute": 9}
